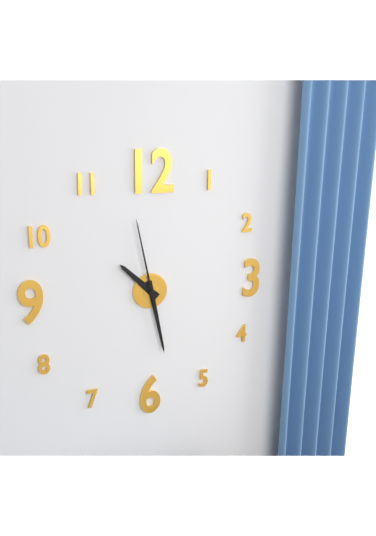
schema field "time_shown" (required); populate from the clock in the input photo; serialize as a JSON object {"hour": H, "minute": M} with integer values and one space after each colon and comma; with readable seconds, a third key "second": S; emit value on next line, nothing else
{"hour": 10, "minute": 28, "second": 58}
